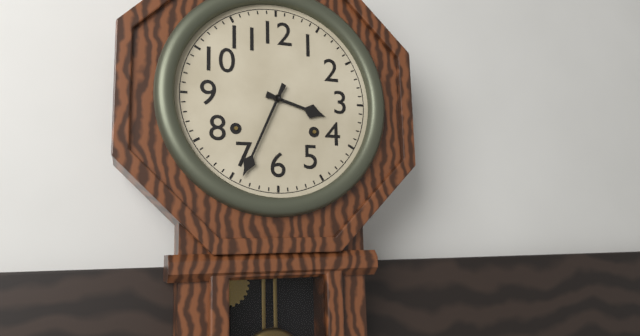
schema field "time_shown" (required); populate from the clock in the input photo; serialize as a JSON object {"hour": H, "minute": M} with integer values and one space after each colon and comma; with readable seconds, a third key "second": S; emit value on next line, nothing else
{"hour": 3, "minute": 34}
